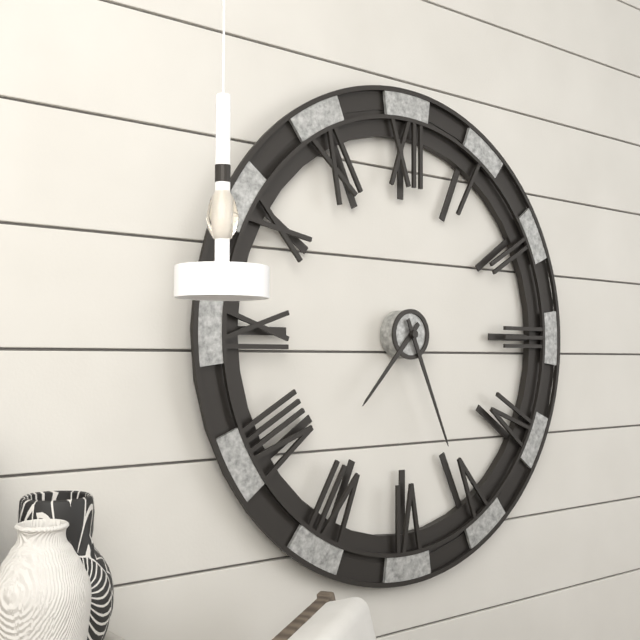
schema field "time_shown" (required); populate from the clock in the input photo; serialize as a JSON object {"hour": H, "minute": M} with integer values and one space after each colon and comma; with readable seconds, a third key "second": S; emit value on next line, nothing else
{"hour": 7, "minute": 26}
